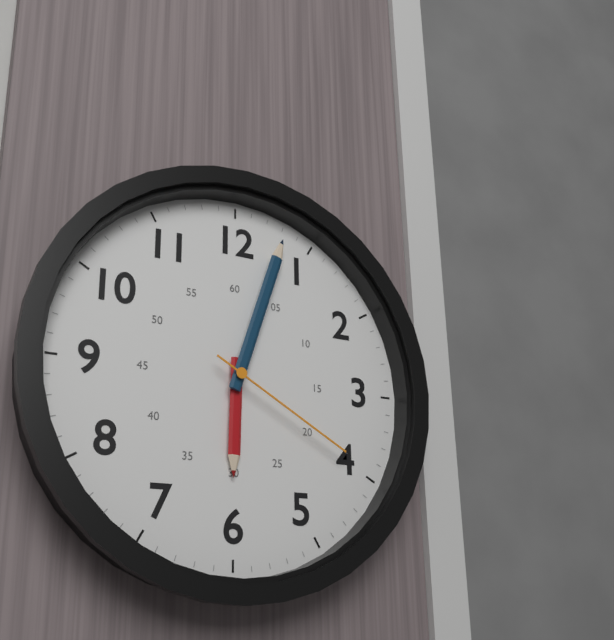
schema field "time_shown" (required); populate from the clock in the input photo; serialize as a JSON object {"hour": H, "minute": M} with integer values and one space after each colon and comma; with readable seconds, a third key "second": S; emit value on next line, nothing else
{"hour": 6, "minute": 3, "second": 20}
